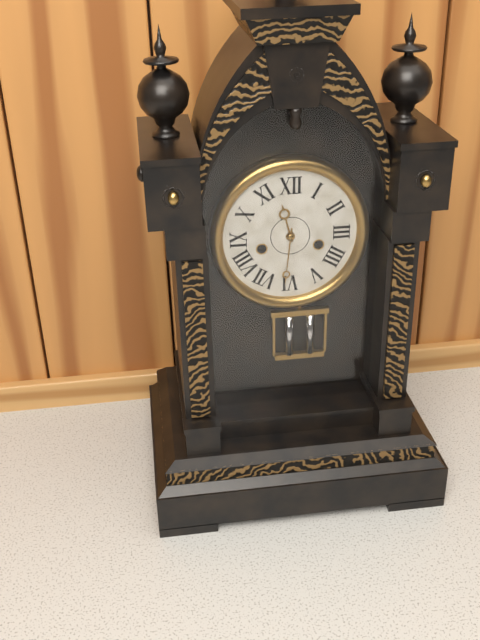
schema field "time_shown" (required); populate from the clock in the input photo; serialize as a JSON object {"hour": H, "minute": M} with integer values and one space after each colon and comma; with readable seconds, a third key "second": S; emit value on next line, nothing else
{"hour": 11, "minute": 31}
